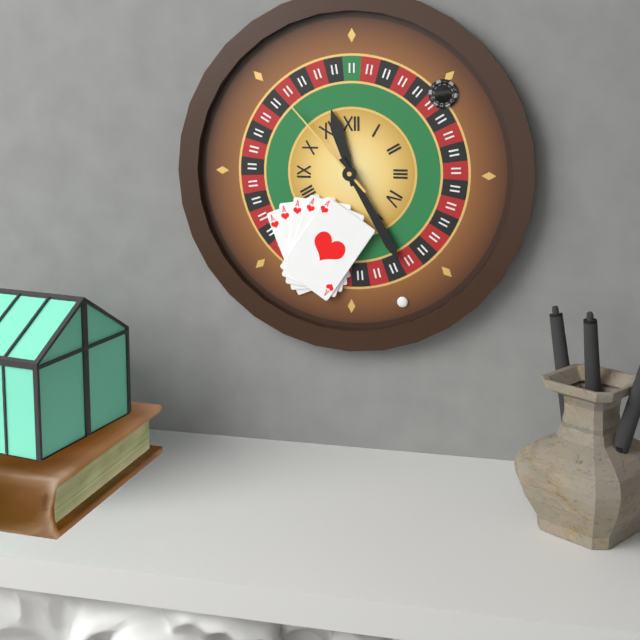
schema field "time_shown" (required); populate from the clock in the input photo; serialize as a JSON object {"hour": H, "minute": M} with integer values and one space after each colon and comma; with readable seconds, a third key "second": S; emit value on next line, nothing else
{"hour": 11, "minute": 25, "second": 53}
